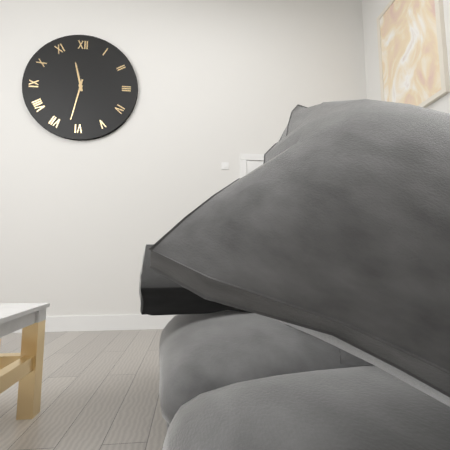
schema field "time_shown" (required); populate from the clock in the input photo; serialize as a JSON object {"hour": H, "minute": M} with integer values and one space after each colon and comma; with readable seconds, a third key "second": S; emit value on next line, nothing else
{"hour": 11, "minute": 32}
